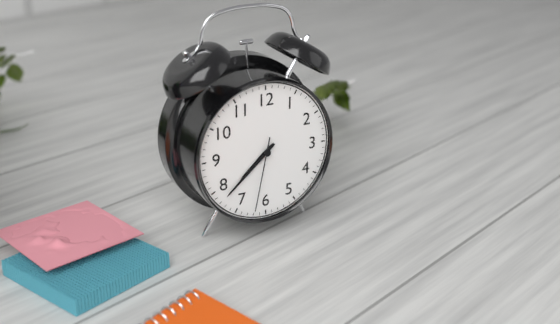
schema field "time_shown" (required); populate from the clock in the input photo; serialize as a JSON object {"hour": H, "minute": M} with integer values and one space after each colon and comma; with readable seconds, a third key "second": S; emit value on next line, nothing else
{"hour": 7, "minute": 38, "second": 32}
